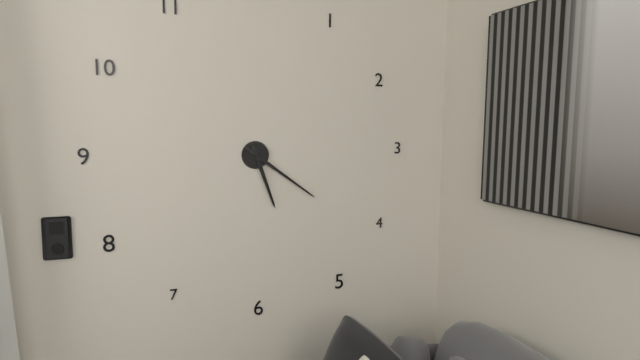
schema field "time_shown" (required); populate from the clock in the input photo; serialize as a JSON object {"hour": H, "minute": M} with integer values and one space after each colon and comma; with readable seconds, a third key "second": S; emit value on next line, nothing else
{"hour": 5, "minute": 21}
